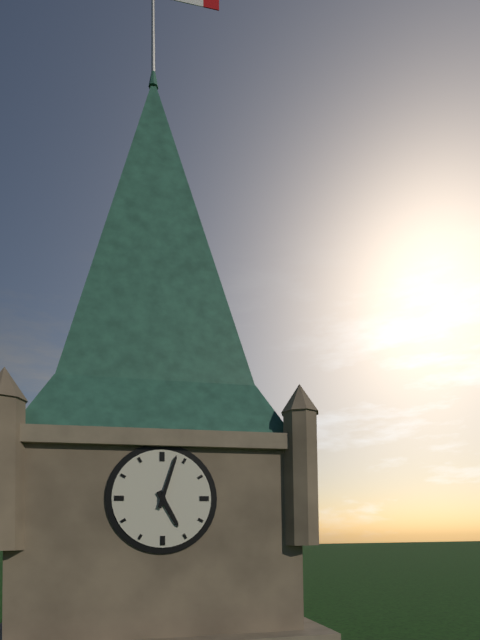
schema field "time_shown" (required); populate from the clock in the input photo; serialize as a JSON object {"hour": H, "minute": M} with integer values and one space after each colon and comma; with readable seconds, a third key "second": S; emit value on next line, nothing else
{"hour": 5, "minute": 3}
